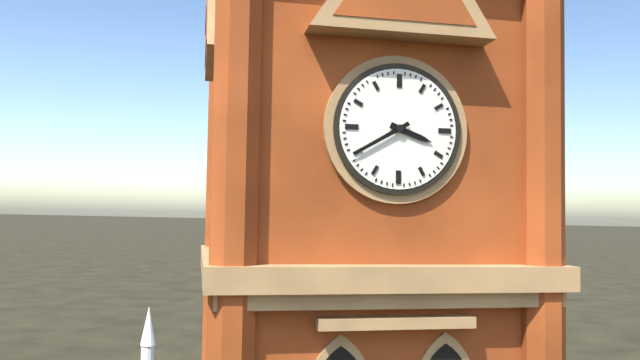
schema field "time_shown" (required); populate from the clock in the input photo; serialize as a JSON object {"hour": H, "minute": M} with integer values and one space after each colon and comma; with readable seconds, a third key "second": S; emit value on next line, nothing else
{"hour": 3, "minute": 40}
